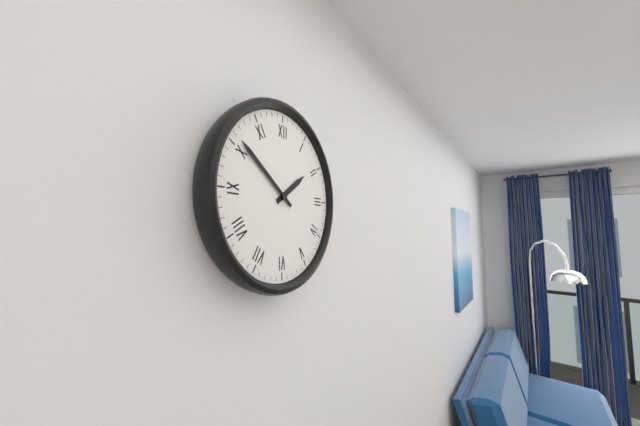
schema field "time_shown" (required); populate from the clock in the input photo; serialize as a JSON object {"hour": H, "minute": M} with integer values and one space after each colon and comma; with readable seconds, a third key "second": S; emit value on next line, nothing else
{"hour": 1, "minute": 51}
